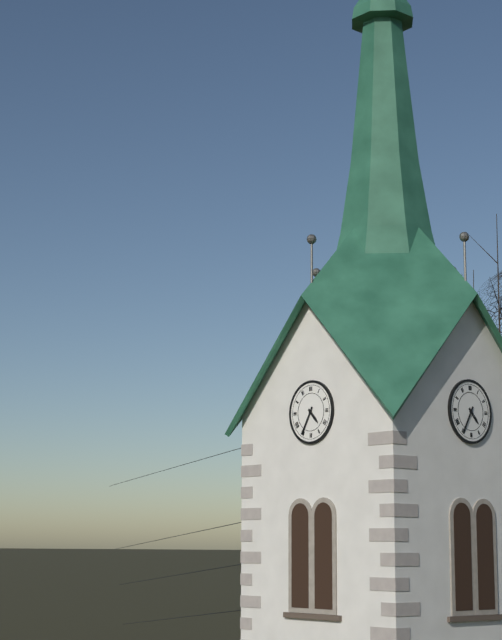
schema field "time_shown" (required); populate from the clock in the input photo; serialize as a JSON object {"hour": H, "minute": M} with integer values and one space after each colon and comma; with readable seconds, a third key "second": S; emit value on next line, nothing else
{"hour": 4, "minute": 35}
